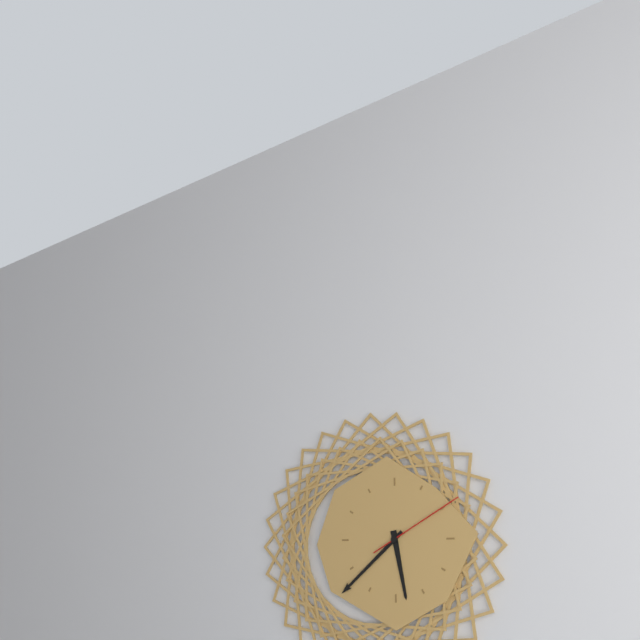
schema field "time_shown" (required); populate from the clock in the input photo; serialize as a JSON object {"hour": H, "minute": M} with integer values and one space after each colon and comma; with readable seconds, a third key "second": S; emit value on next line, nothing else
{"hour": 5, "minute": 38, "second": 10}
